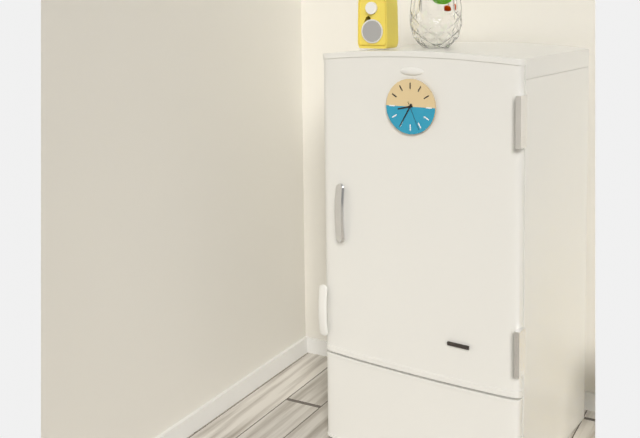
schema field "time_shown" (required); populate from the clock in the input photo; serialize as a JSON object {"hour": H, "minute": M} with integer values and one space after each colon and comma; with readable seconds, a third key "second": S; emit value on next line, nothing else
{"hour": 8, "minute": 35}
